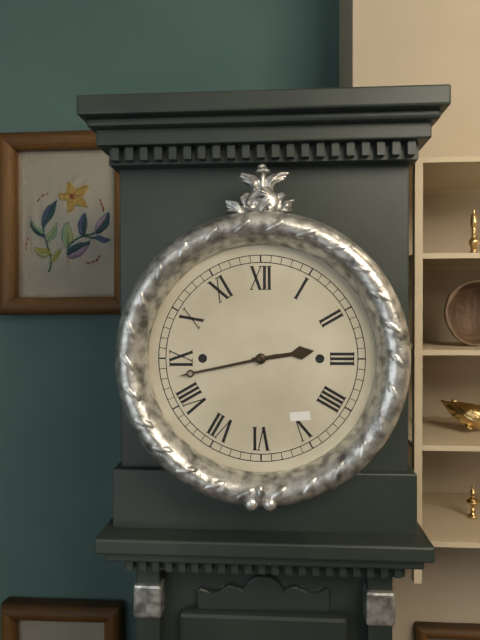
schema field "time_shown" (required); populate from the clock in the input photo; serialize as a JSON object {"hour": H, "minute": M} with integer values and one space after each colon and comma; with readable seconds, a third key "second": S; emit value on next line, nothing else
{"hour": 2, "minute": 43}
